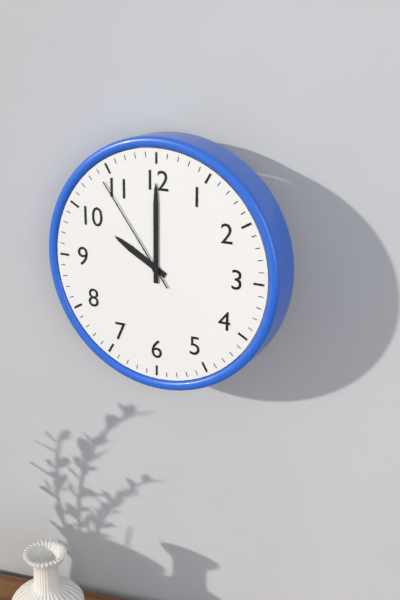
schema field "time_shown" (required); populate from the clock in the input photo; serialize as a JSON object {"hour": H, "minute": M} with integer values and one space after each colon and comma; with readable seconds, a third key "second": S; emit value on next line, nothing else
{"hour": 10, "minute": 0, "second": 54}
